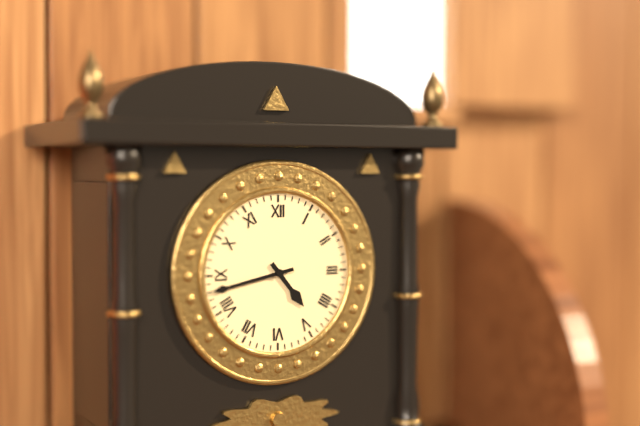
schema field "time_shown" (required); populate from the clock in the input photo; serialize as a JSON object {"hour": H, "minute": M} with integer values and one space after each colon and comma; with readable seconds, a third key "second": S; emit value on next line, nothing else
{"hour": 4, "minute": 43}
